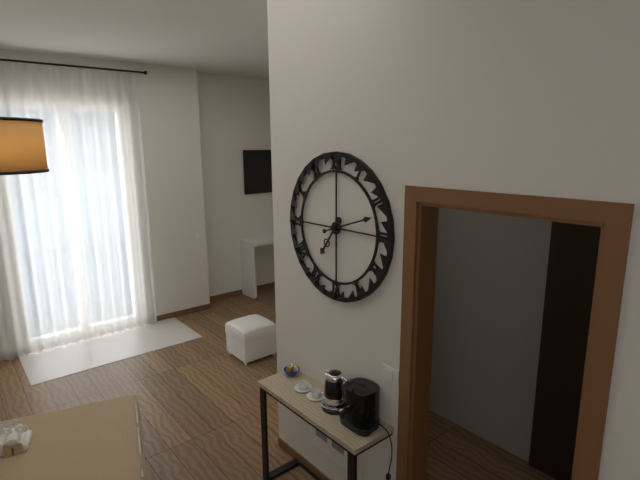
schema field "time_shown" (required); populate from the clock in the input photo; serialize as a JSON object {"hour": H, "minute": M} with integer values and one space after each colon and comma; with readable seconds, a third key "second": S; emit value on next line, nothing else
{"hour": 7, "minute": 12}
